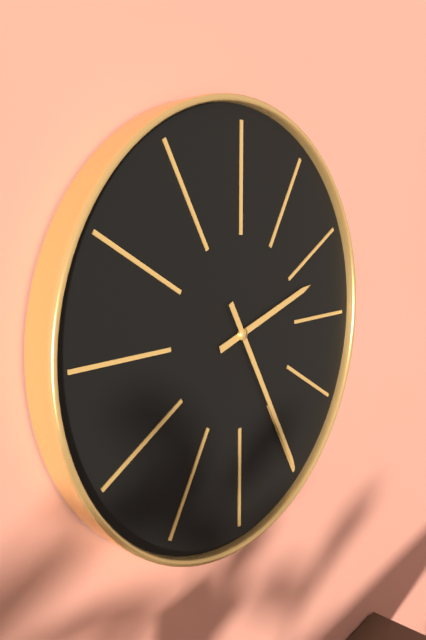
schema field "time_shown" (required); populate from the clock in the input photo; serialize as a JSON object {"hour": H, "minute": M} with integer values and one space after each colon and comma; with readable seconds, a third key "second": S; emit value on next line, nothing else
{"hour": 2, "minute": 25}
